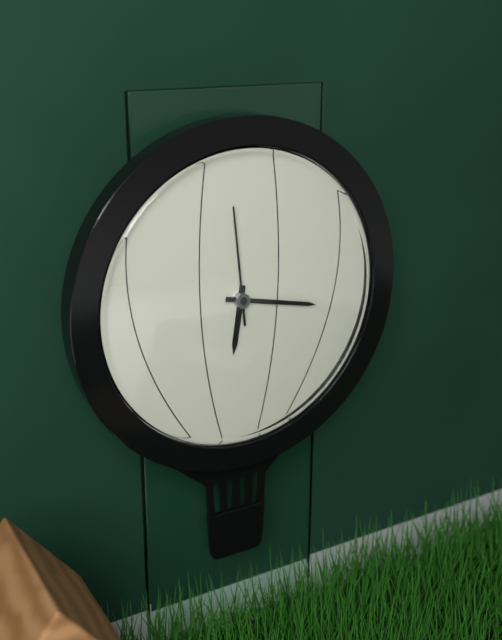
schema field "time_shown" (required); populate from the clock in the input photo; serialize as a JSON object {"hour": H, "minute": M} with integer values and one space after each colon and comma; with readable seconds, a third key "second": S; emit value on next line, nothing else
{"hour": 6, "minute": 17, "second": 59}
